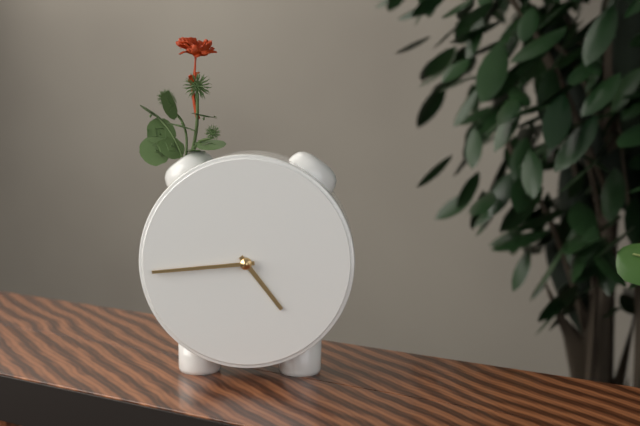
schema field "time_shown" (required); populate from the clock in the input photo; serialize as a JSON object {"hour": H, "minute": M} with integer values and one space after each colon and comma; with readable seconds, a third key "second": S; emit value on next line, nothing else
{"hour": 4, "minute": 44}
